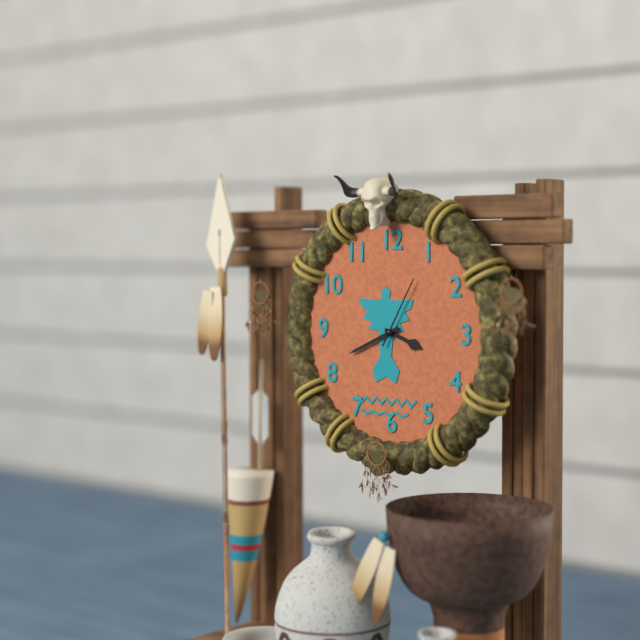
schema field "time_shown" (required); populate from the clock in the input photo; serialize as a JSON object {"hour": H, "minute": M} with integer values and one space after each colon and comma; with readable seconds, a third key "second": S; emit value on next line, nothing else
{"hour": 3, "minute": 41, "second": 5}
